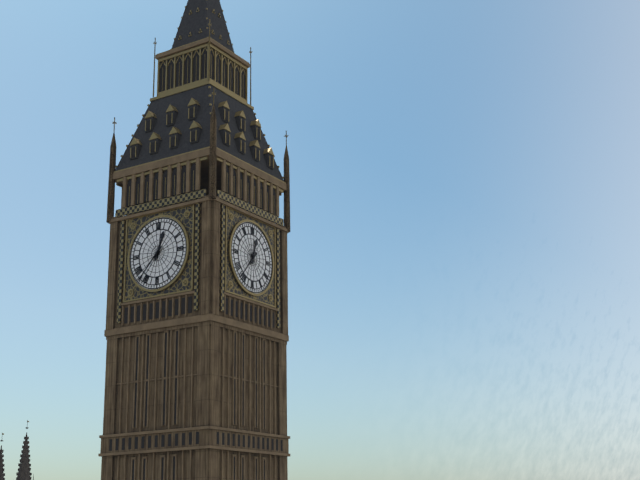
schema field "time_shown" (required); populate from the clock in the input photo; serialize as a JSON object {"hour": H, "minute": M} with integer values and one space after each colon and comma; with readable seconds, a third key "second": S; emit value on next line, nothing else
{"hour": 12, "minute": 37}
